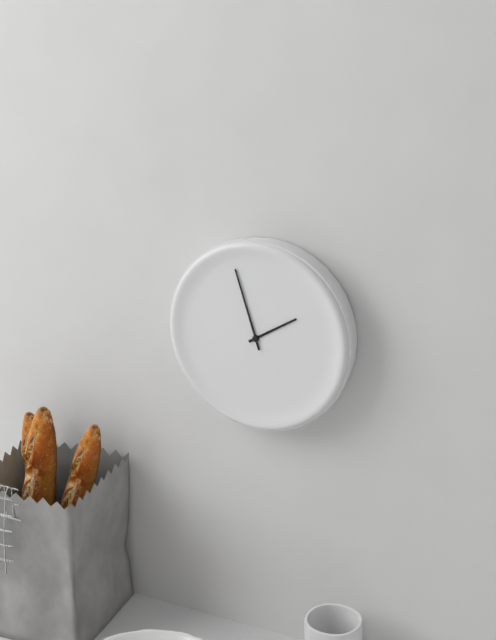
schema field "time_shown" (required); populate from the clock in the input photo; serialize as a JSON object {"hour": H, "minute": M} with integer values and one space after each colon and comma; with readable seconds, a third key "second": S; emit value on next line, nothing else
{"hour": 1, "minute": 57}
